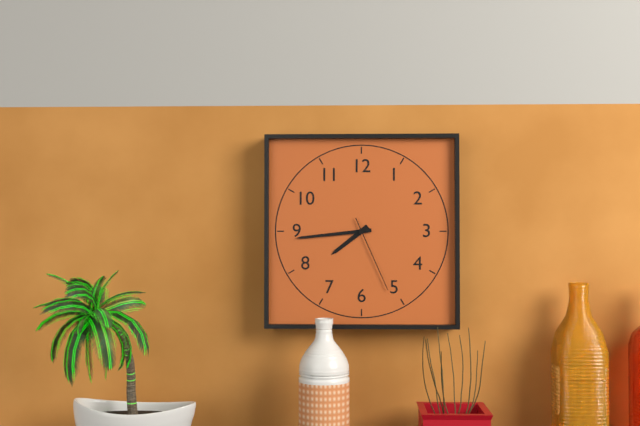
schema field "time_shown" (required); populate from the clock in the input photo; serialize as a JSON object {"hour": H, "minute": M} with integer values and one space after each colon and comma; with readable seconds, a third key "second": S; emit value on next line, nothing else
{"hour": 7, "minute": 44, "second": 26}
